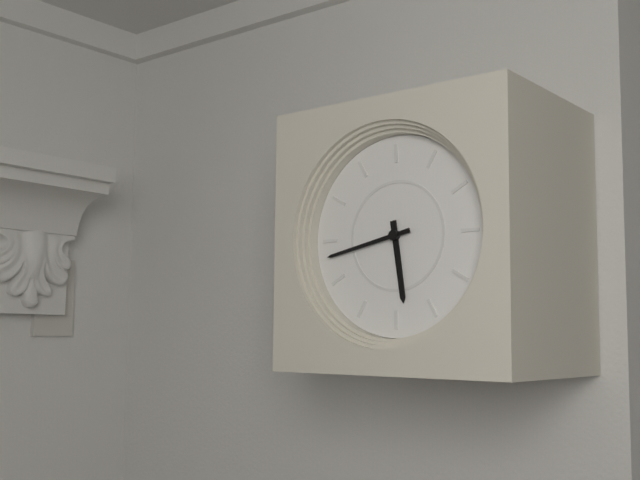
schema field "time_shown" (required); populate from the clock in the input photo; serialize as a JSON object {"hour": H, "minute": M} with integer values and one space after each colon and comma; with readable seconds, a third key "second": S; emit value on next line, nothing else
{"hour": 5, "minute": 43}
